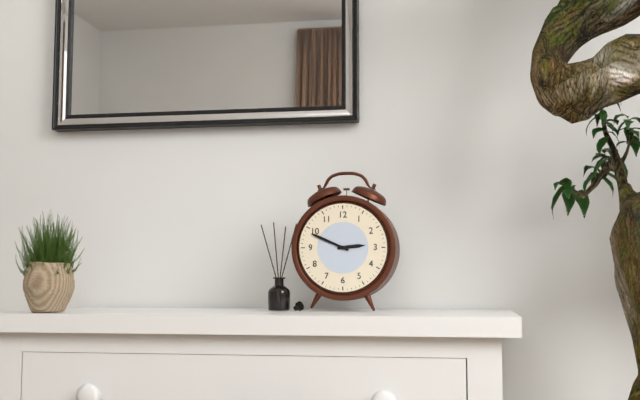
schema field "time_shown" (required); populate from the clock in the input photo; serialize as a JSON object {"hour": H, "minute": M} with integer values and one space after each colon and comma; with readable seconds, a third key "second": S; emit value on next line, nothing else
{"hour": 2, "minute": 49}
